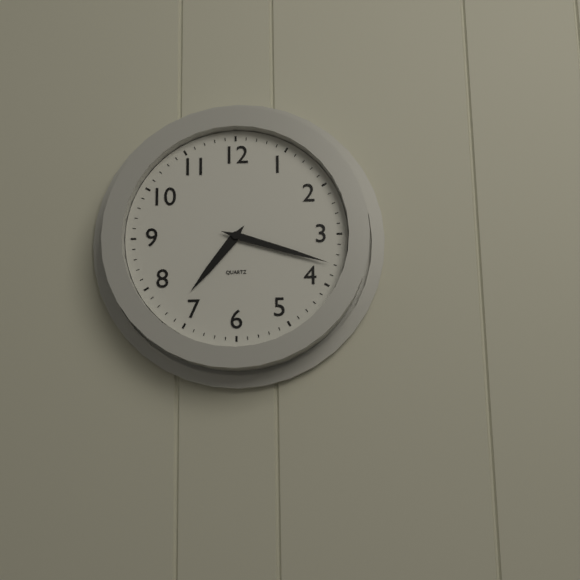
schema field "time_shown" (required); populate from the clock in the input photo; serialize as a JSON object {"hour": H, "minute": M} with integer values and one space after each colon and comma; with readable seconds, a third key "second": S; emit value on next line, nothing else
{"hour": 7, "minute": 18}
